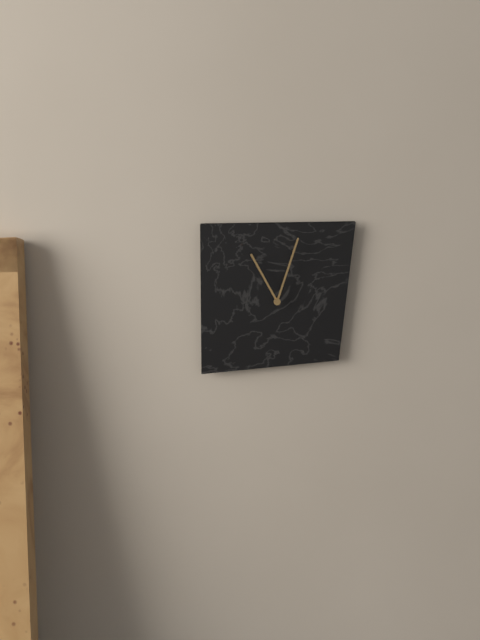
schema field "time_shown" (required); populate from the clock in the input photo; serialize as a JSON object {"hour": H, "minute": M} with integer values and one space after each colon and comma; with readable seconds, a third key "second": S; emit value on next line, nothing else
{"hour": 11, "minute": 3}
